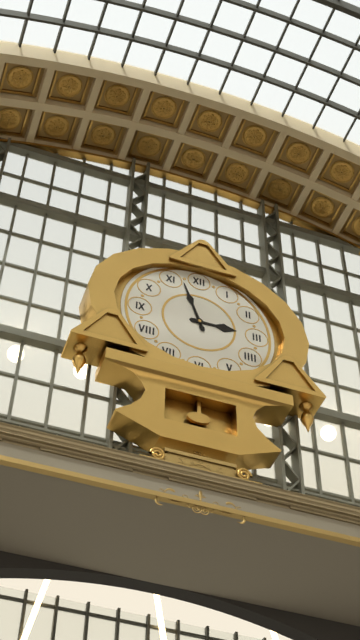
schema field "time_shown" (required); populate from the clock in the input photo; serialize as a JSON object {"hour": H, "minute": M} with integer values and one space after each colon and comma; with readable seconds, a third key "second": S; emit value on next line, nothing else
{"hour": 2, "minute": 57}
